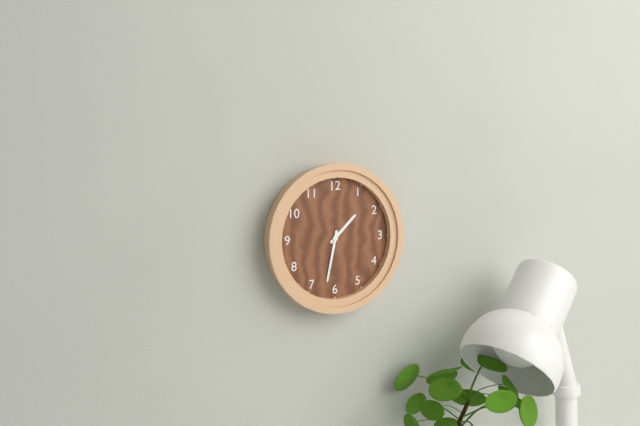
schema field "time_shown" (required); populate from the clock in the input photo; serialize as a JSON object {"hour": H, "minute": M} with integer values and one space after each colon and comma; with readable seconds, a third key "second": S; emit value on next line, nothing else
{"hour": 1, "minute": 32}
